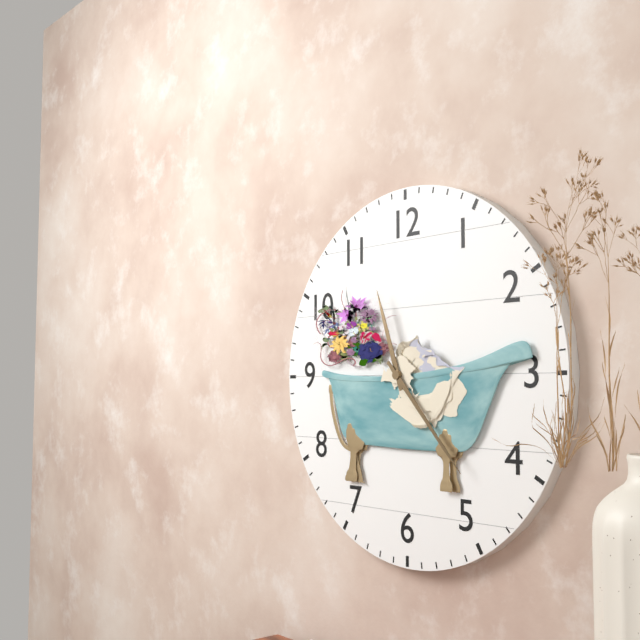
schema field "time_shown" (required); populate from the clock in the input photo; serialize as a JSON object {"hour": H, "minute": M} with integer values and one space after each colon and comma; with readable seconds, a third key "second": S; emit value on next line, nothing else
{"hour": 11, "minute": 23}
